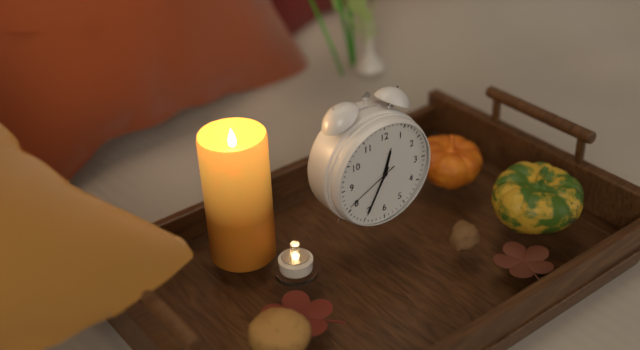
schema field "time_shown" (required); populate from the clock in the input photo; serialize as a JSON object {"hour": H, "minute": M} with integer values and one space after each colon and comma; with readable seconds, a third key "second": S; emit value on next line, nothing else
{"hour": 12, "minute": 35, "second": 41}
